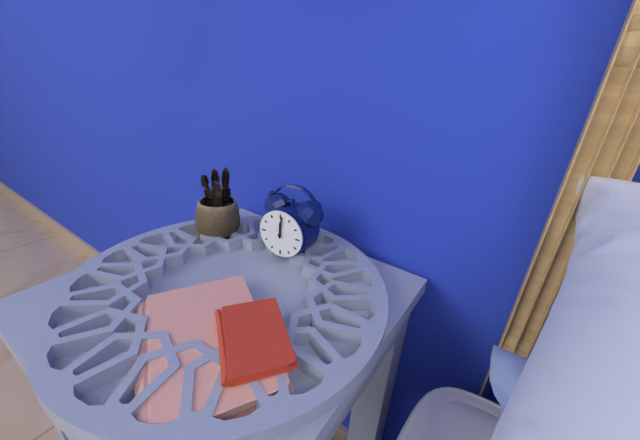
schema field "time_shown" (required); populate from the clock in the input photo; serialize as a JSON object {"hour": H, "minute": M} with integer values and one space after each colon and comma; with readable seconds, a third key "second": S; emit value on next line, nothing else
{"hour": 12, "minute": 1}
